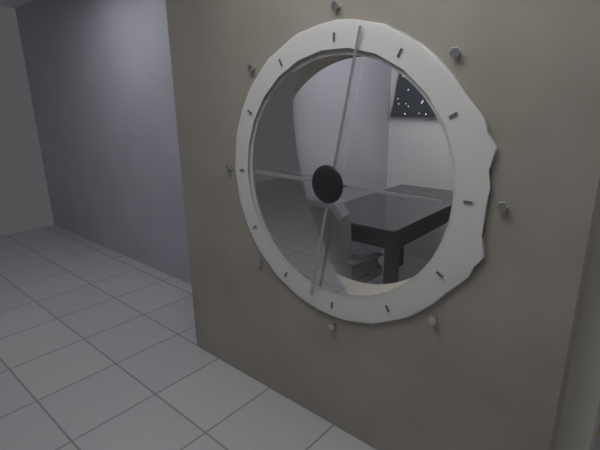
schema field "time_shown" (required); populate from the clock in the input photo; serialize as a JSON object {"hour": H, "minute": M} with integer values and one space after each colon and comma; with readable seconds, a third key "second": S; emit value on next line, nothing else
{"hour": 3, "minute": 2}
